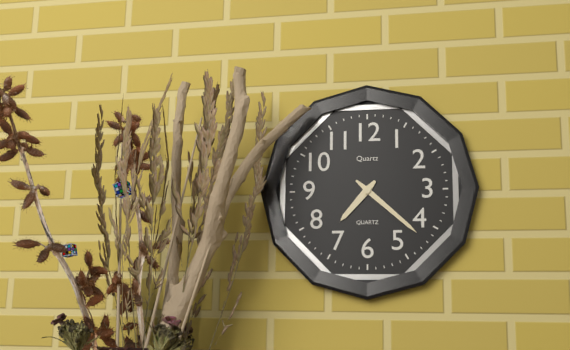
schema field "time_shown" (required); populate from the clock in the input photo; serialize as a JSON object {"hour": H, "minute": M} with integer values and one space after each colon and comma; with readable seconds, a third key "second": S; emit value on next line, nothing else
{"hour": 7, "minute": 22}
